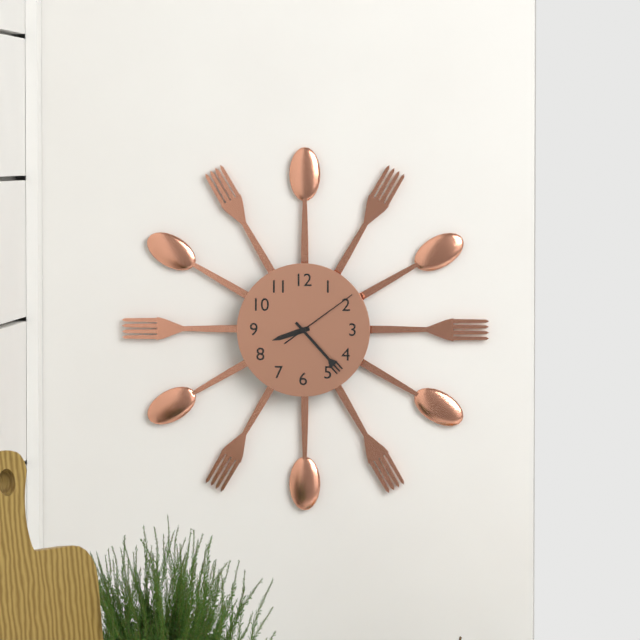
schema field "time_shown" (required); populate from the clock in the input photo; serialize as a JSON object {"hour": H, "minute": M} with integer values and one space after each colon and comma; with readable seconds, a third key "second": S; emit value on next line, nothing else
{"hour": 8, "minute": 23, "second": 9}
